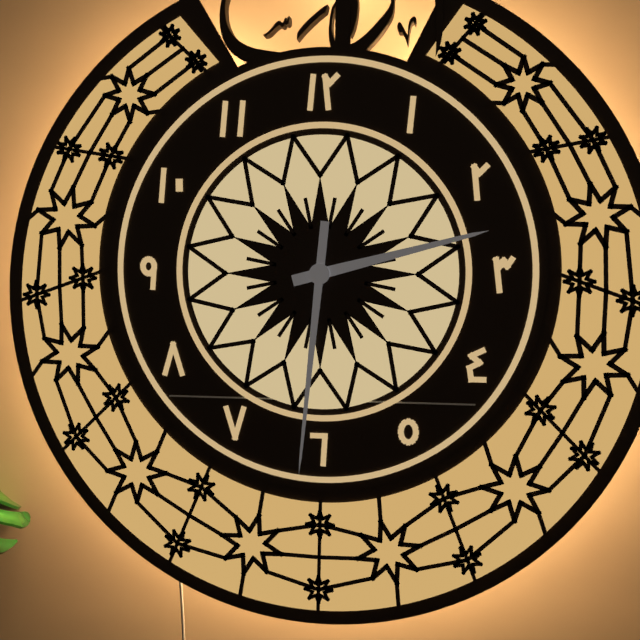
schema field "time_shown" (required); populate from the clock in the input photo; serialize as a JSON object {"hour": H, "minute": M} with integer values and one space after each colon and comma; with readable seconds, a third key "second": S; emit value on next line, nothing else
{"hour": 2, "minute": 31}
